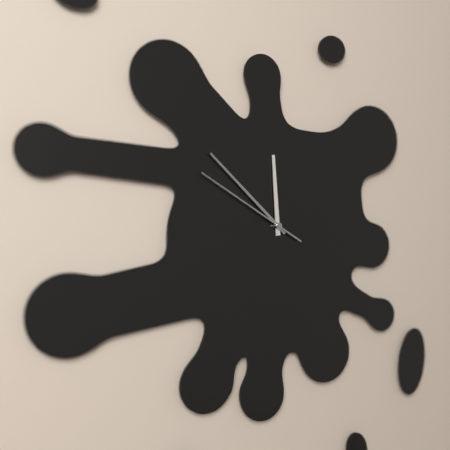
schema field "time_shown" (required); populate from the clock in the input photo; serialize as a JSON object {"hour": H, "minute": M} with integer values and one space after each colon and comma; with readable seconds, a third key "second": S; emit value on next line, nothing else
{"hour": 11, "minute": 52, "second": 50}
